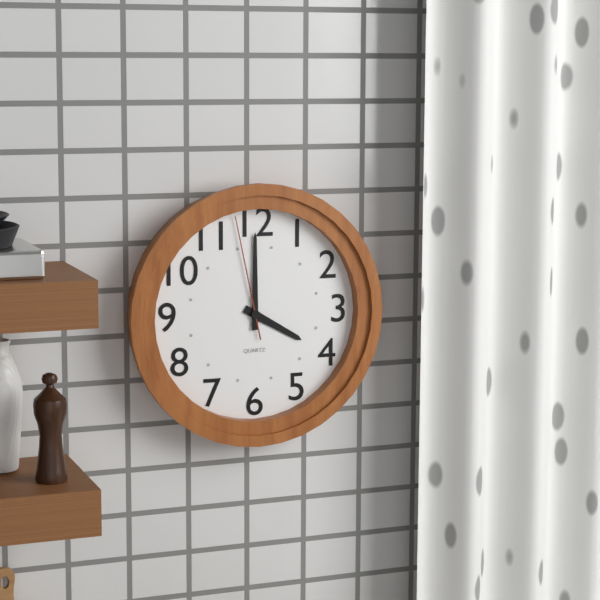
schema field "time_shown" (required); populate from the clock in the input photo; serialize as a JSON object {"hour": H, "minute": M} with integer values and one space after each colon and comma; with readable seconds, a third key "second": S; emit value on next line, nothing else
{"hour": 4, "minute": 0, "second": 58}
